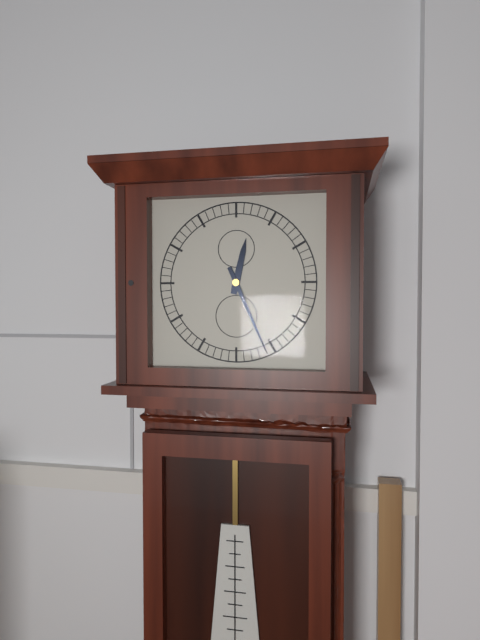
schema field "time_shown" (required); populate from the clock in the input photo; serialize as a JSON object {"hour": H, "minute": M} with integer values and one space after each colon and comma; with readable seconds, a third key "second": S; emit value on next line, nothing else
{"hour": 12, "minute": 26}
